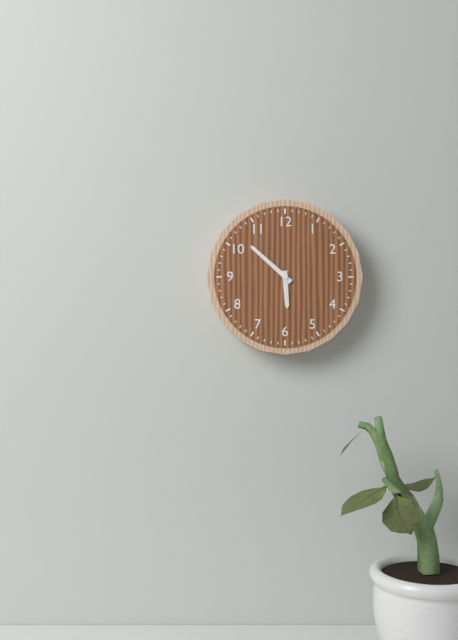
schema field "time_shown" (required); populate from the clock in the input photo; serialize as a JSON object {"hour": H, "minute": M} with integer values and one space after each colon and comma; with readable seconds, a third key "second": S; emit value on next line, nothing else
{"hour": 5, "minute": 52}
